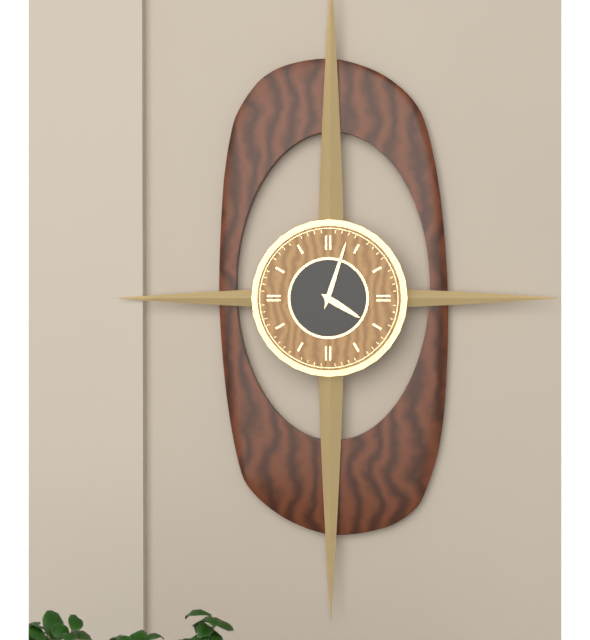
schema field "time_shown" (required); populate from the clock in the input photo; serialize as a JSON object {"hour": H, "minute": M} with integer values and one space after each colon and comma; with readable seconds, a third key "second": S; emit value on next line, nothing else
{"hour": 4, "minute": 3}
